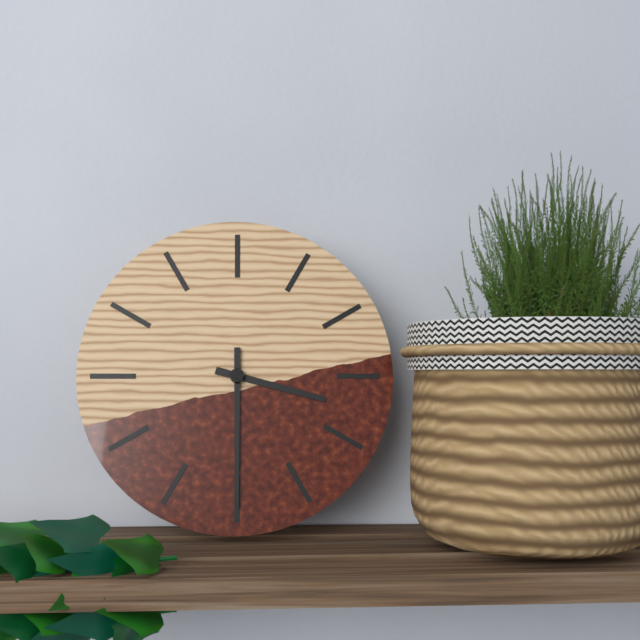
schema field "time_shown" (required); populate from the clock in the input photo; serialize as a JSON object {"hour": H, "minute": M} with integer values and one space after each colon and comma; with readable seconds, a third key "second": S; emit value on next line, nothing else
{"hour": 3, "minute": 30}
